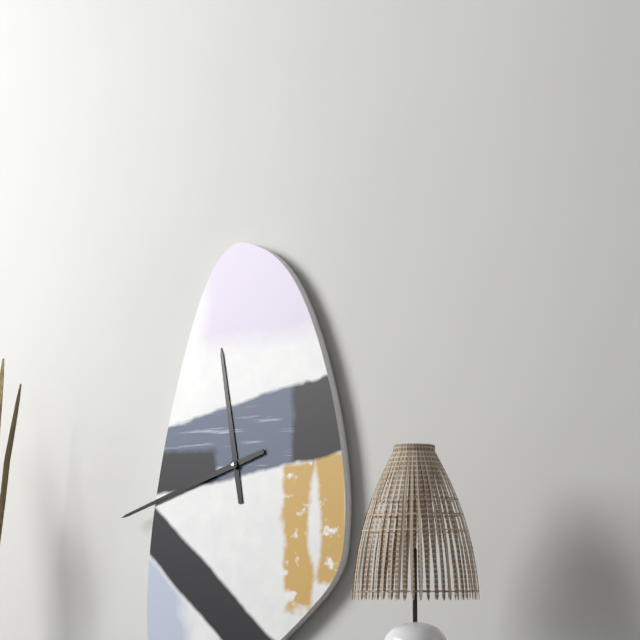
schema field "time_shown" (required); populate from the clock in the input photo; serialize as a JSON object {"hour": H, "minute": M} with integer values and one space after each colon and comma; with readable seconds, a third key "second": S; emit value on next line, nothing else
{"hour": 11, "minute": 42}
